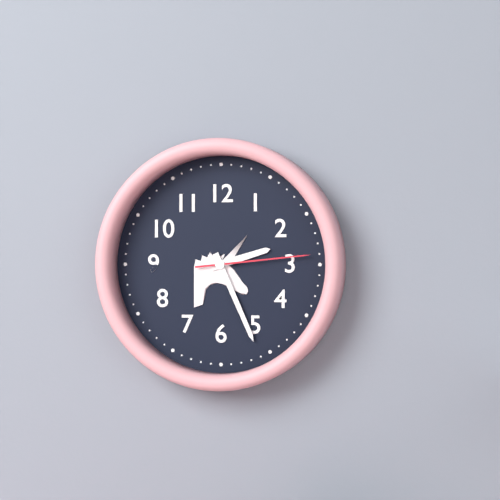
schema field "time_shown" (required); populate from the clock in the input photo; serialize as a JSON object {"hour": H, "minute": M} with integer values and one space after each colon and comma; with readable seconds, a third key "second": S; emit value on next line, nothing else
{"hour": 2, "minute": 26, "second": 14}
